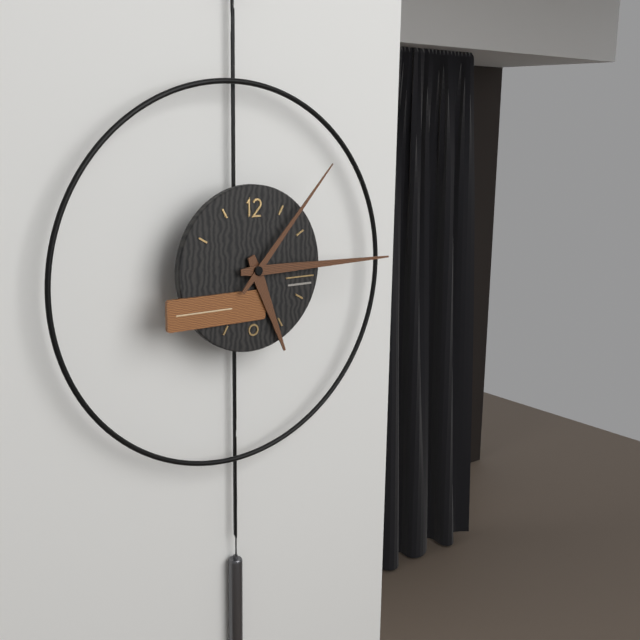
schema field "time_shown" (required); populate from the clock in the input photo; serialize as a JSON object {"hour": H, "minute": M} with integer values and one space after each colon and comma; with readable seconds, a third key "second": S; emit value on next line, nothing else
{"hour": 5, "minute": 15, "second": 7}
